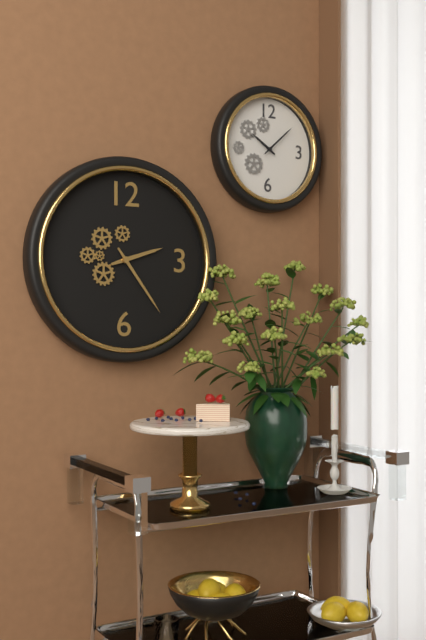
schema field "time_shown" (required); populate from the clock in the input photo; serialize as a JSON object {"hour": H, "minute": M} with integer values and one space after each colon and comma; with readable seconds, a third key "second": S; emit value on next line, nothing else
{"hour": 2, "minute": 24}
